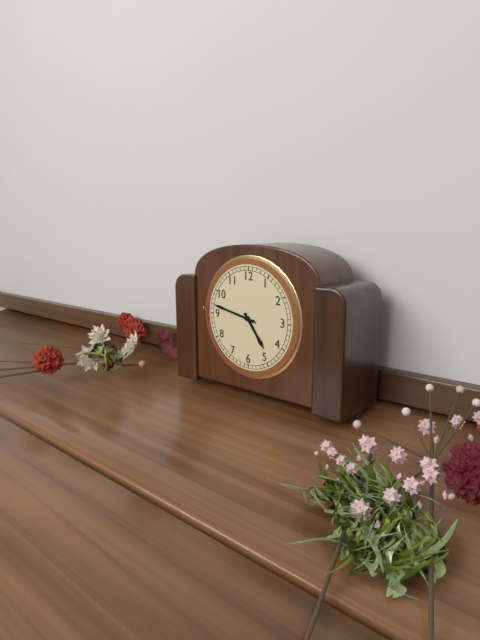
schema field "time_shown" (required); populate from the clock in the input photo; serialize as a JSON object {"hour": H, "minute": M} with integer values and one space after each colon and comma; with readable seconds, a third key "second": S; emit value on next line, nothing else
{"hour": 4, "minute": 47}
